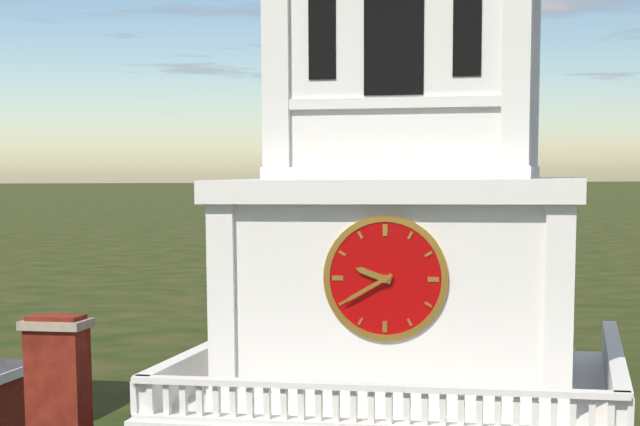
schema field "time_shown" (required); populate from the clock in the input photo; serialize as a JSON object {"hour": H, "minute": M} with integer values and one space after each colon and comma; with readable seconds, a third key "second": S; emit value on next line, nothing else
{"hour": 9, "minute": 40}
